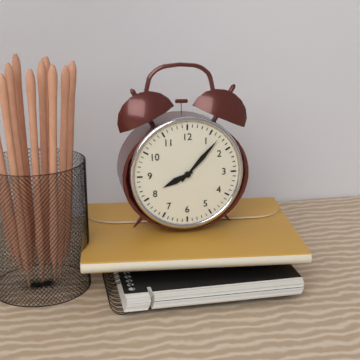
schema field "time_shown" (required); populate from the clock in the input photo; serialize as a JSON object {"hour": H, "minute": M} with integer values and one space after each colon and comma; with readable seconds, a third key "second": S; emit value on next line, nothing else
{"hour": 8, "minute": 7}
